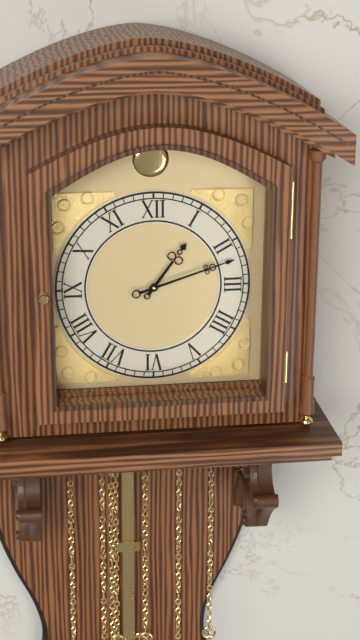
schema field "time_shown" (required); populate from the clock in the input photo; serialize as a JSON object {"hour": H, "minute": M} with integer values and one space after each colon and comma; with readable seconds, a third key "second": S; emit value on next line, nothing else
{"hour": 1, "minute": 12}
